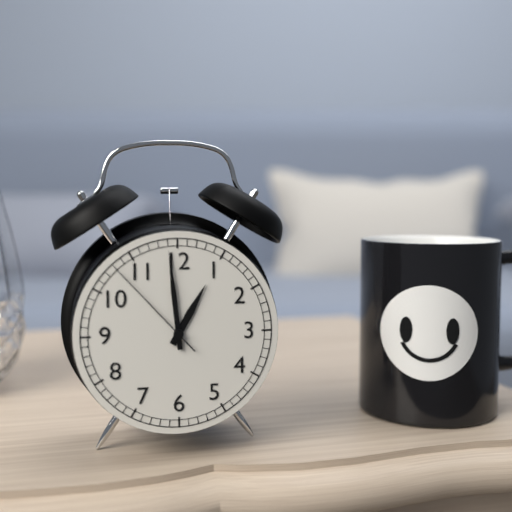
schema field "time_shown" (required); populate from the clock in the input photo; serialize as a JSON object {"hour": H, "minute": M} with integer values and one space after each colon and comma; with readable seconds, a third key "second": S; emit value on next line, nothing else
{"hour": 12, "minute": 59, "second": 53}
